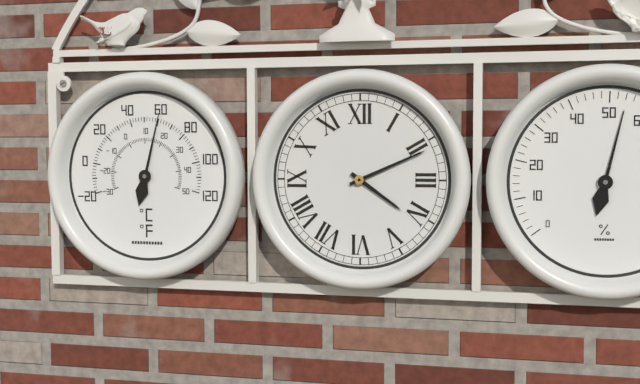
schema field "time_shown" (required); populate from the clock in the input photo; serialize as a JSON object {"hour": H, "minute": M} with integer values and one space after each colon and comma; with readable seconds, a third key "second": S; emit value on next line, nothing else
{"hour": 4, "minute": 11}
